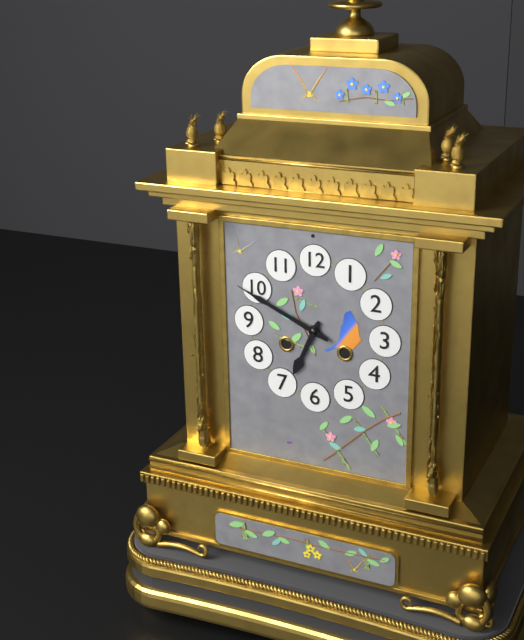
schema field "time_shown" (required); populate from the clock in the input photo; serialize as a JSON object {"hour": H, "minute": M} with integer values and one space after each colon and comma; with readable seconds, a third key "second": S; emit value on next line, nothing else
{"hour": 6, "minute": 49}
